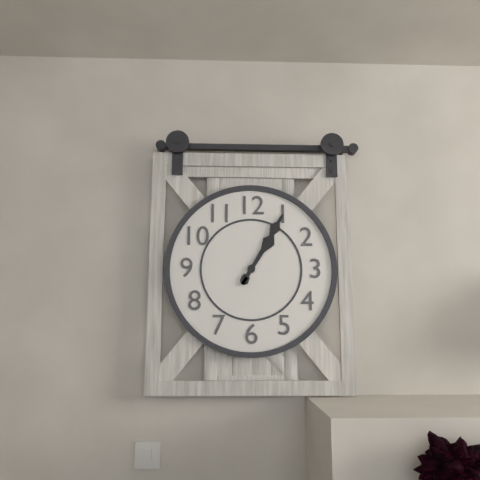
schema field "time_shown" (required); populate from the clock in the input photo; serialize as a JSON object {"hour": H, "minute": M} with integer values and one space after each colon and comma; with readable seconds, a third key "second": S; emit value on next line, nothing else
{"hour": 1, "minute": 5}
